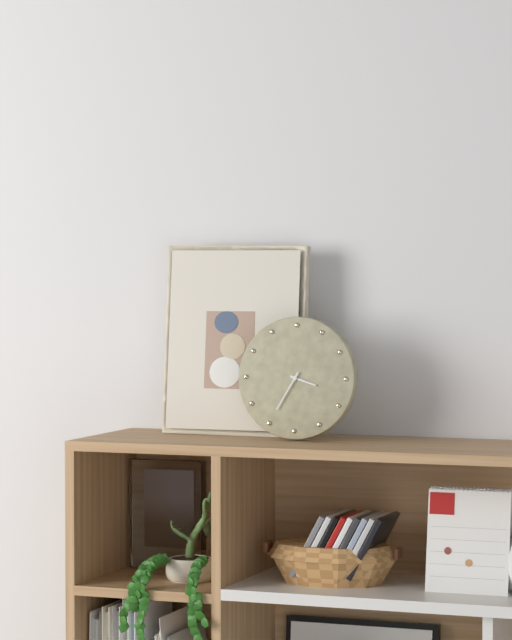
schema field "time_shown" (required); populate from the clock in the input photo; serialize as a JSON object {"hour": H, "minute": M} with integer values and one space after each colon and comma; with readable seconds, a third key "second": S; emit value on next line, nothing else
{"hour": 3, "minute": 35}
